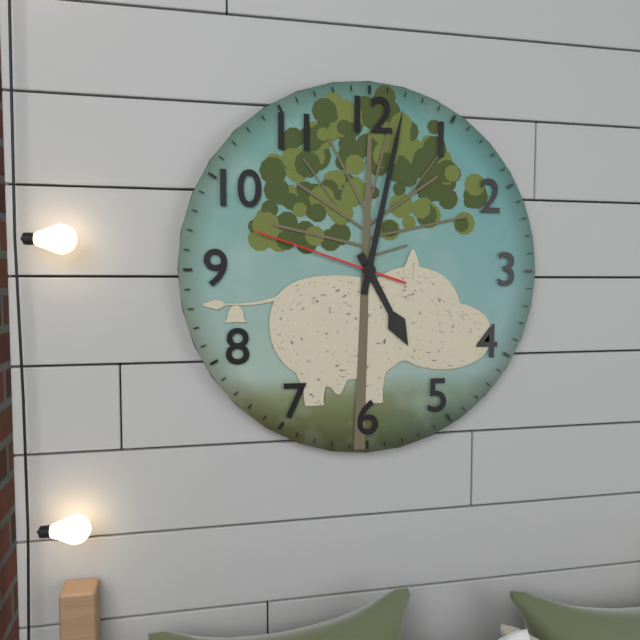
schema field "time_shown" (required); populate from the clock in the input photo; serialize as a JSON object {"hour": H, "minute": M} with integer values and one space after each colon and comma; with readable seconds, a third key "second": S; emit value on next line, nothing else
{"hour": 5, "minute": 2, "second": 48}
